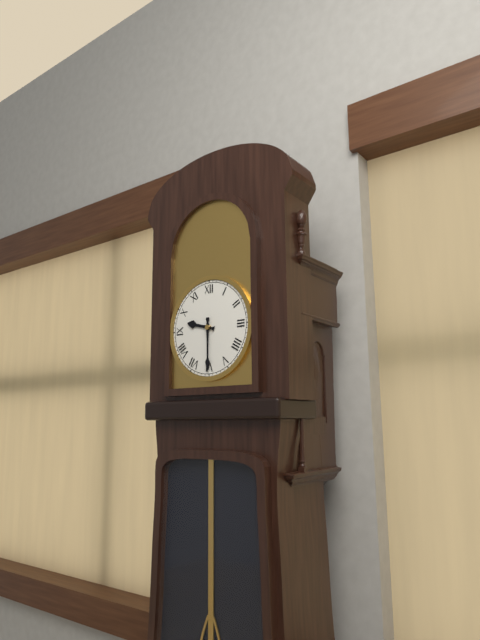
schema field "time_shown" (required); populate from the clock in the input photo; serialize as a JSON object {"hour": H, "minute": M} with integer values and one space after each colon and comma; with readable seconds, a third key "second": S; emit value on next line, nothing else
{"hour": 9, "minute": 30}
